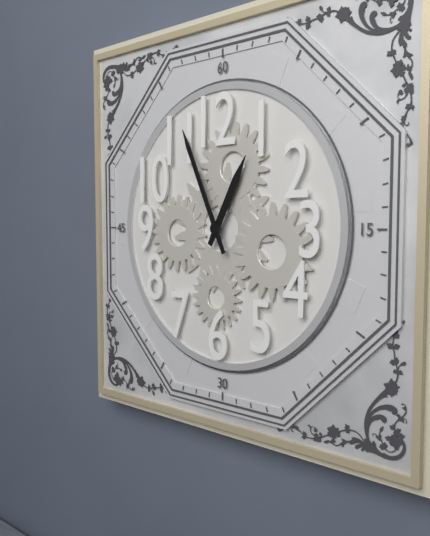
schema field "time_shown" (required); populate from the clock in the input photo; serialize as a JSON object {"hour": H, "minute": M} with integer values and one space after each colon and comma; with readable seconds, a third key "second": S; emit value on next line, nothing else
{"hour": 12, "minute": 56}
